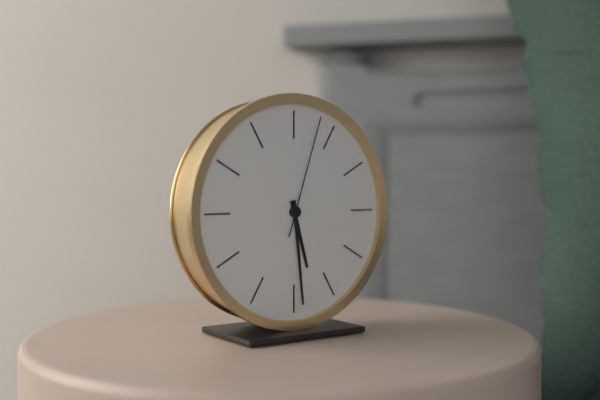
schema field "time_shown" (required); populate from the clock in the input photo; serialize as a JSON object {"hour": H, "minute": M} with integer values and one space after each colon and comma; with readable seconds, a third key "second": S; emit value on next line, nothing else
{"hour": 5, "minute": 29, "second": 3}
